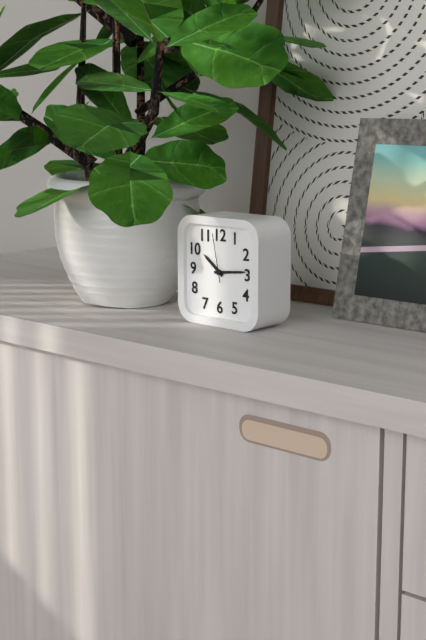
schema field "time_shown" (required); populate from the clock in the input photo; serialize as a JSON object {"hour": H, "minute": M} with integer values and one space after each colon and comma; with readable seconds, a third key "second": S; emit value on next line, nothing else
{"hour": 10, "minute": 14}
